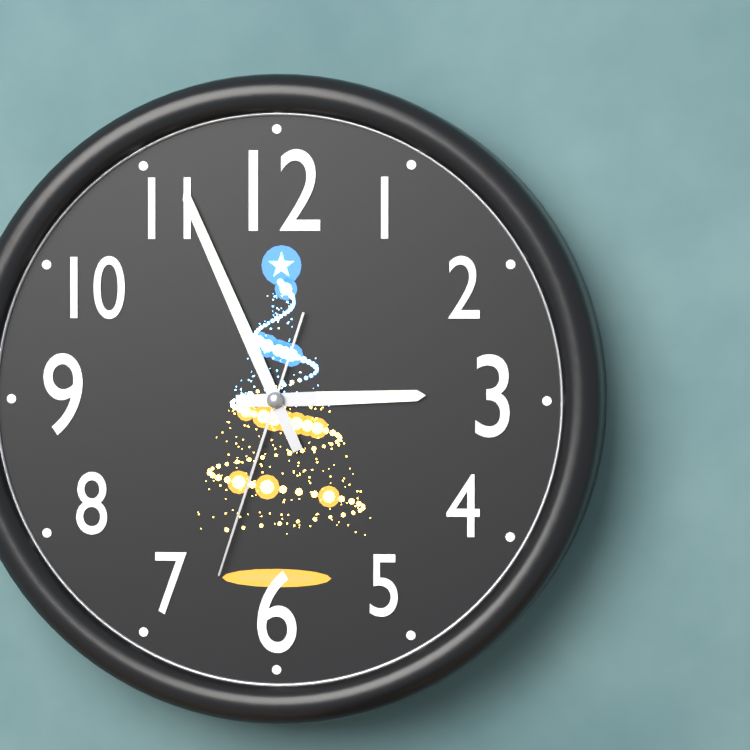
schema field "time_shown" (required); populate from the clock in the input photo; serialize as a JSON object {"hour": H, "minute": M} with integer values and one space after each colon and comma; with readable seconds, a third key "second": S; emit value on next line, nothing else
{"hour": 2, "minute": 56, "second": 33}
